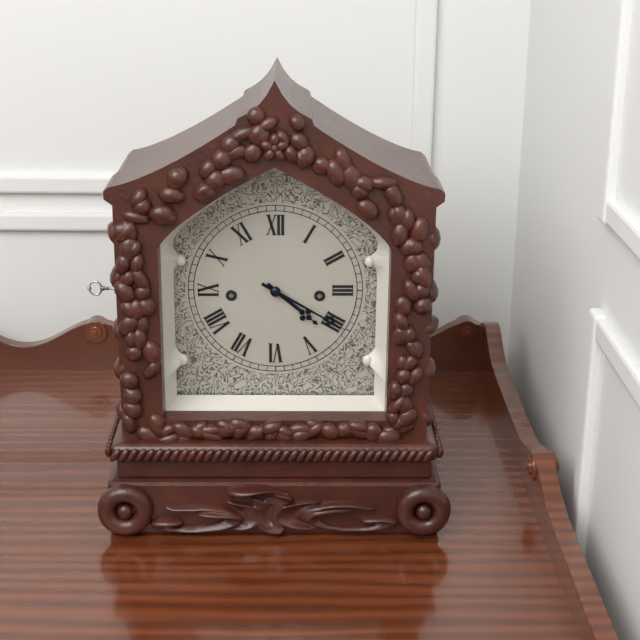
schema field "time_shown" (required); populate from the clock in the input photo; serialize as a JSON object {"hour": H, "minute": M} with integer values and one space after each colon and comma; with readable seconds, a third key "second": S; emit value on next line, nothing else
{"hour": 4, "minute": 20}
